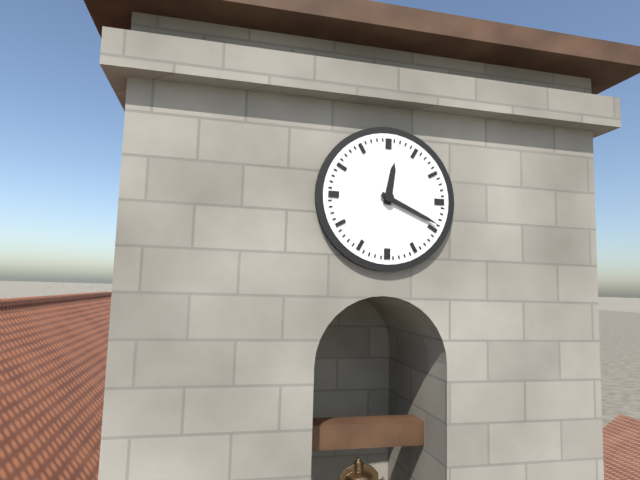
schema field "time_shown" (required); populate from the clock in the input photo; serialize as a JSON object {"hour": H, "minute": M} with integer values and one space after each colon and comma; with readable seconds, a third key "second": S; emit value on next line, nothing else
{"hour": 12, "minute": 19}
